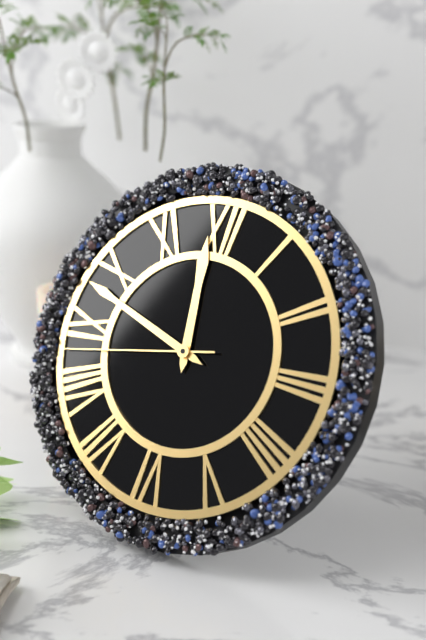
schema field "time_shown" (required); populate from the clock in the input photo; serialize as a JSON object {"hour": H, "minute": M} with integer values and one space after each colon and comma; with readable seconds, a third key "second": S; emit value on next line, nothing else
{"hour": 11, "minute": 48, "second": 43}
